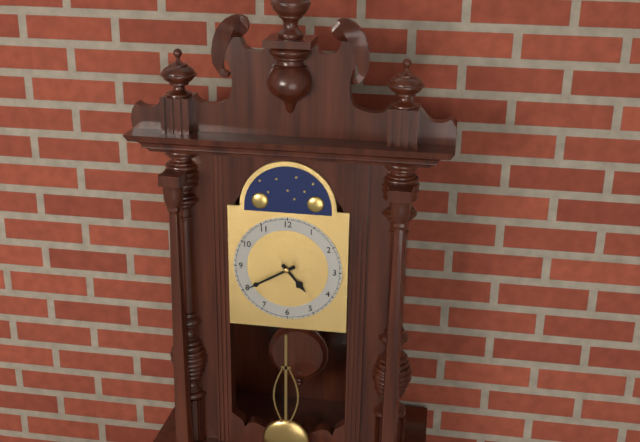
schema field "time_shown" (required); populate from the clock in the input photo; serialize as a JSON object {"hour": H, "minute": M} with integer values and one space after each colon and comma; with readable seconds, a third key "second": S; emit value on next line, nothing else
{"hour": 4, "minute": 40}
